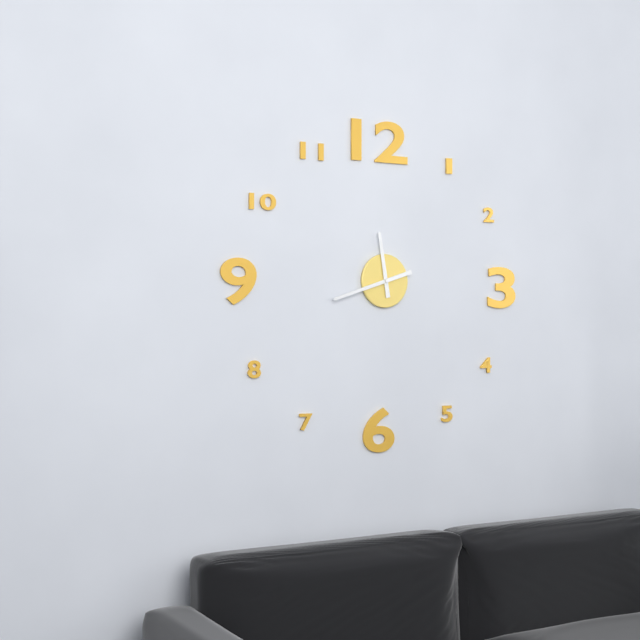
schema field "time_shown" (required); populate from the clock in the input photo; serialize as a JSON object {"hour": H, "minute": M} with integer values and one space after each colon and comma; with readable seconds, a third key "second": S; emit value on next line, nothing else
{"hour": 11, "minute": 42}
